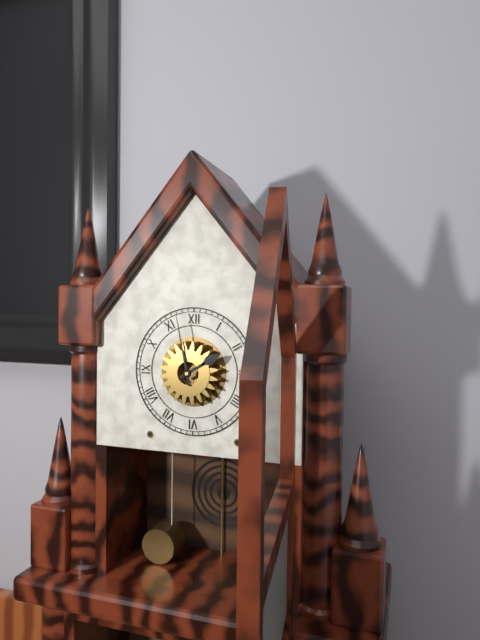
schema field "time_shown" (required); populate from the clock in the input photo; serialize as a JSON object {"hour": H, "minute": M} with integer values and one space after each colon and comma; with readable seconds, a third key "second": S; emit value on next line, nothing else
{"hour": 1, "minute": 58}
